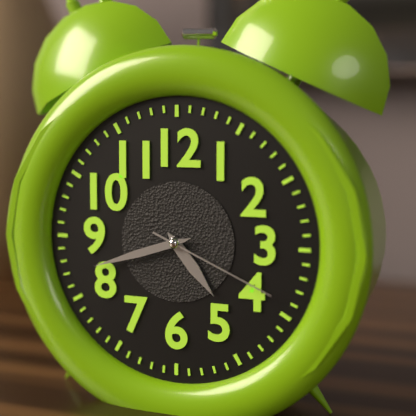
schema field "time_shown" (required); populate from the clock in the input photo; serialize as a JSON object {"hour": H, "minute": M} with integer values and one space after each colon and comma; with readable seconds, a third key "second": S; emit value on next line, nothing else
{"hour": 4, "minute": 42, "second": 19}
